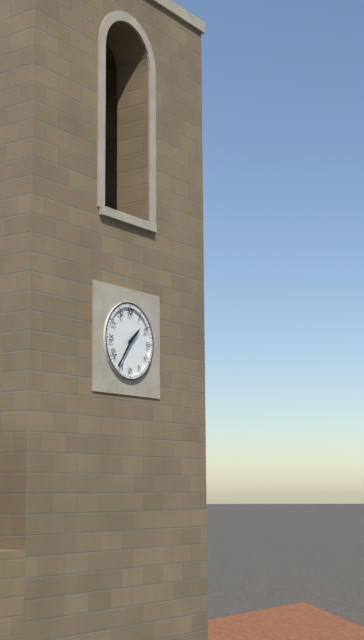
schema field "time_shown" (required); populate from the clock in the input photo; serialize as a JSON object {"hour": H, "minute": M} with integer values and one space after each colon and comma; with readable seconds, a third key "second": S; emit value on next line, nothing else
{"hour": 1, "minute": 36}
